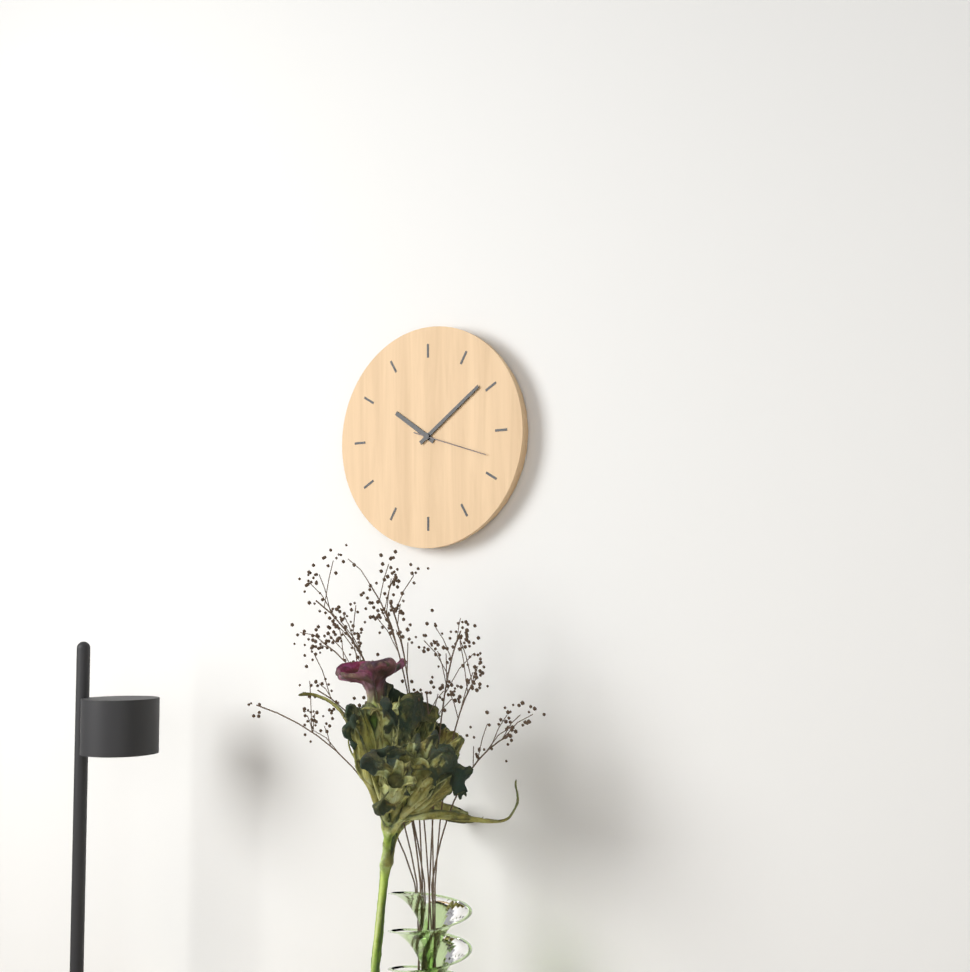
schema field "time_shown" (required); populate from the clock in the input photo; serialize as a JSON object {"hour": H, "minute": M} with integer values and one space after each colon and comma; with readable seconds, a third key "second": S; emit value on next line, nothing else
{"hour": 10, "minute": 9, "second": 18}
